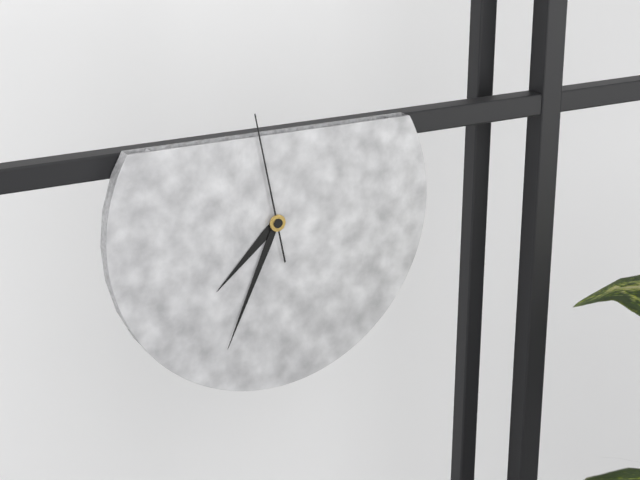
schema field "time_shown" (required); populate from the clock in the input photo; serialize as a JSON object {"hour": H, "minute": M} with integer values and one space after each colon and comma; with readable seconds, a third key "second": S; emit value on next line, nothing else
{"hour": 7, "minute": 34, "second": 58}
